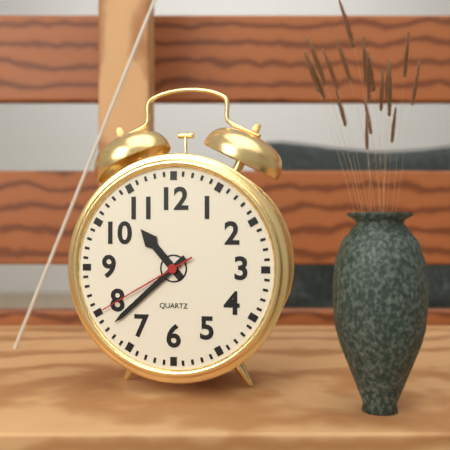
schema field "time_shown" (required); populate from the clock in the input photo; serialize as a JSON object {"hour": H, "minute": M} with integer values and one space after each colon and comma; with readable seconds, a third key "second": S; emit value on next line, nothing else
{"hour": 10, "minute": 38, "second": 40}
